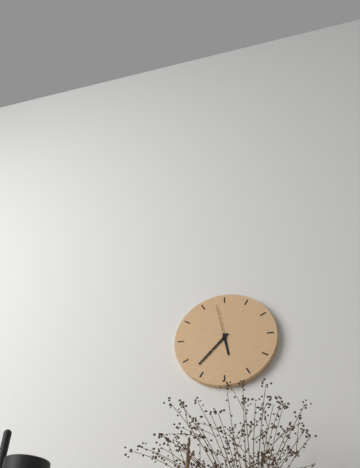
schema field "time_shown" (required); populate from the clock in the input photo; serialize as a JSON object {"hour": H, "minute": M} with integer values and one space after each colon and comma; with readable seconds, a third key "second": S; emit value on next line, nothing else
{"hour": 5, "minute": 37}
